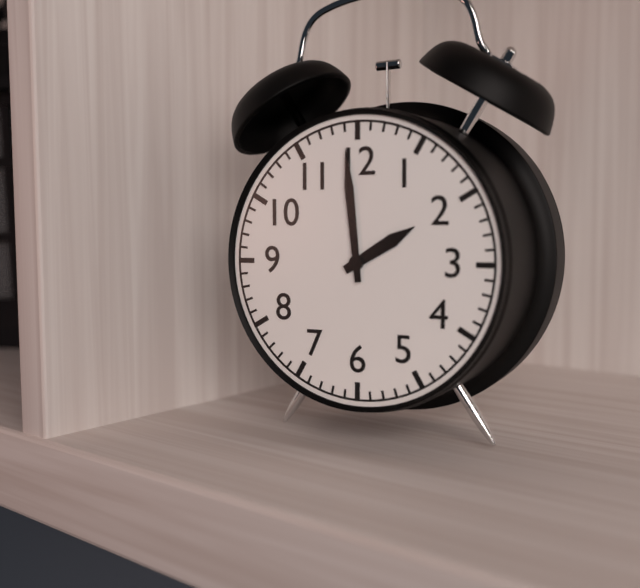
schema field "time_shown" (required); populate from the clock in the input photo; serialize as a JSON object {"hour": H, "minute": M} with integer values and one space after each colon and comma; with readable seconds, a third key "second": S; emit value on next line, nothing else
{"hour": 1, "minute": 59}
